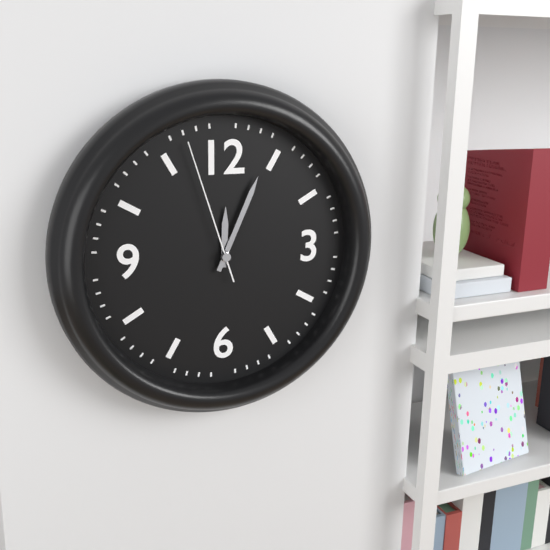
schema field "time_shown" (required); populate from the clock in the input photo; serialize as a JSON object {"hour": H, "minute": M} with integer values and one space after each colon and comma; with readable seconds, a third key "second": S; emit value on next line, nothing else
{"hour": 12, "minute": 4, "second": 57}
